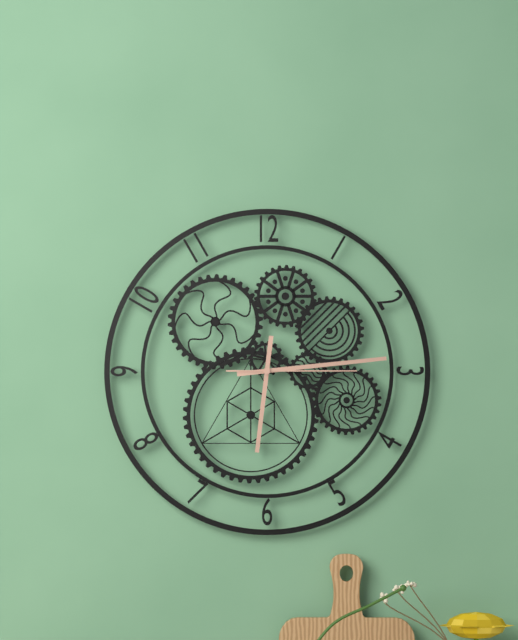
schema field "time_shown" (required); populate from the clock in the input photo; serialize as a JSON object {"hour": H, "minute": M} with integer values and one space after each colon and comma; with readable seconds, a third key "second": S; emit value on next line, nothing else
{"hour": 6, "minute": 14, "second": 15}
